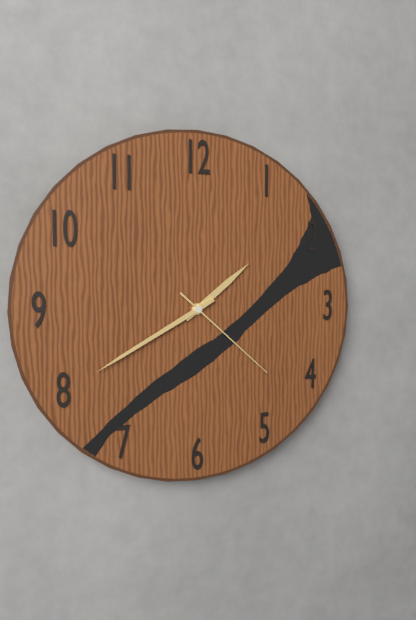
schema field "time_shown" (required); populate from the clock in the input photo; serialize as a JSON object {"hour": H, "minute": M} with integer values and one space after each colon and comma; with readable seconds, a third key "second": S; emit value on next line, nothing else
{"hour": 1, "minute": 40, "second": 22}
